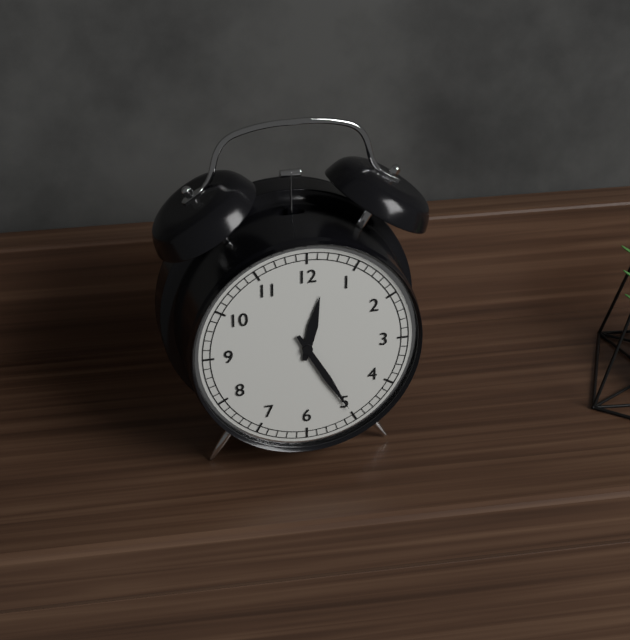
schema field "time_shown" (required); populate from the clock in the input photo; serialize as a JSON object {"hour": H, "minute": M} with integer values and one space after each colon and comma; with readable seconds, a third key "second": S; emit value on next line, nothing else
{"hour": 12, "minute": 25}
